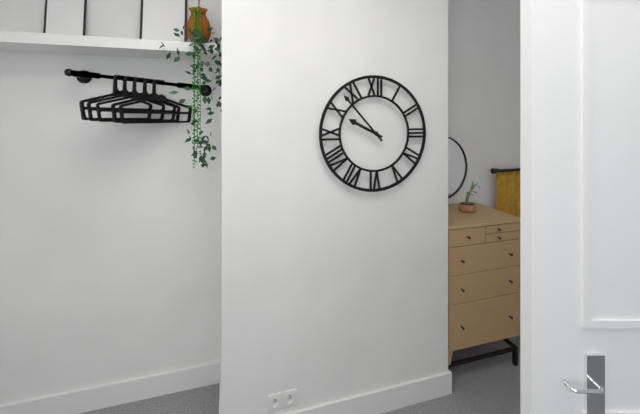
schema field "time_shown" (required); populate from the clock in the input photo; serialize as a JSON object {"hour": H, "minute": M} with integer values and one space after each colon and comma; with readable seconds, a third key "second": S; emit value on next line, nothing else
{"hour": 9, "minute": 53}
